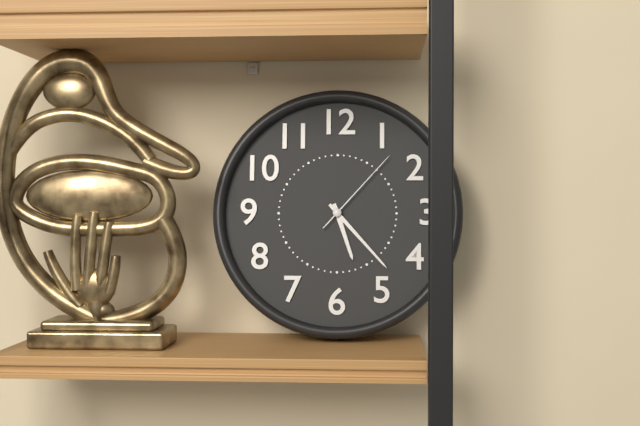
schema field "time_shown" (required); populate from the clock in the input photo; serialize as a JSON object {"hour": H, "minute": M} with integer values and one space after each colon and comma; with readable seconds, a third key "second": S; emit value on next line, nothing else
{"hour": 5, "minute": 23, "second": 7}
